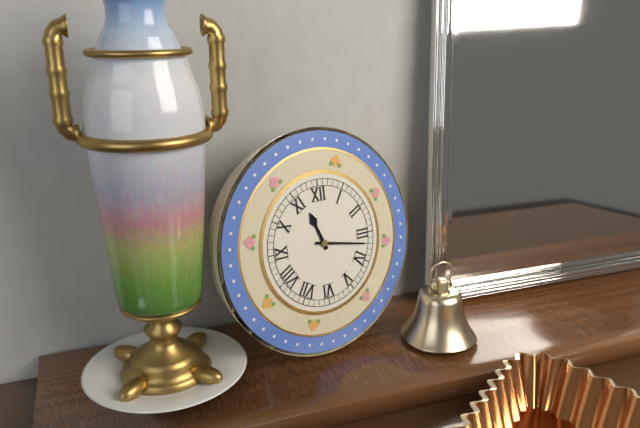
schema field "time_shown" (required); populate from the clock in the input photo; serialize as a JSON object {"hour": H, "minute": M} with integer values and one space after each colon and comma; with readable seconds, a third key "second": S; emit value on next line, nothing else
{"hour": 11, "minute": 17}
